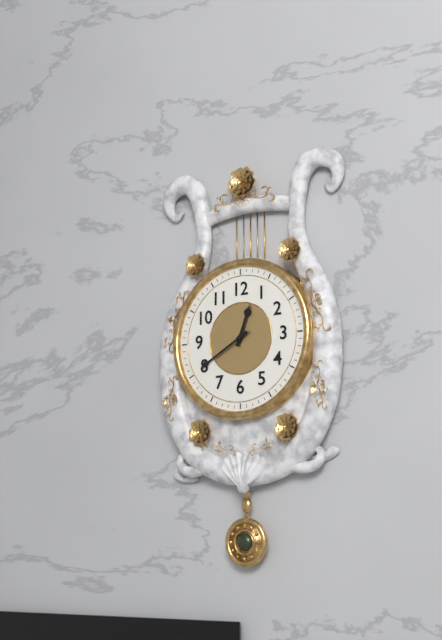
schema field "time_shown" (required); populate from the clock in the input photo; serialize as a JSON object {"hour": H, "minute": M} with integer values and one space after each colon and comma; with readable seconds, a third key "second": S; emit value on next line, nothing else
{"hour": 12, "minute": 40}
